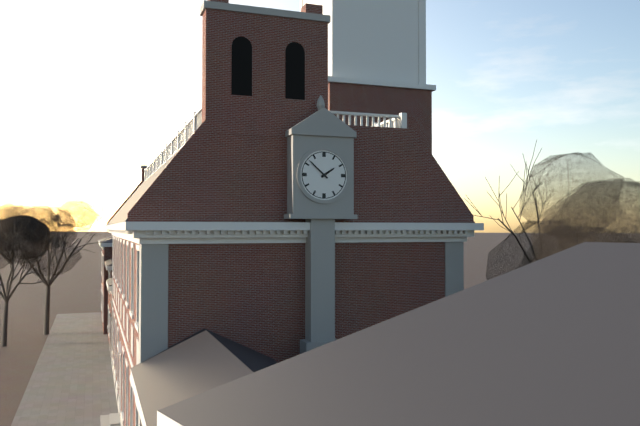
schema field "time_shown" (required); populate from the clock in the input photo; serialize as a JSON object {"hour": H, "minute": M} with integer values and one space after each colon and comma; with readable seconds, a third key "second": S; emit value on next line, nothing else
{"hour": 1, "minute": 52}
